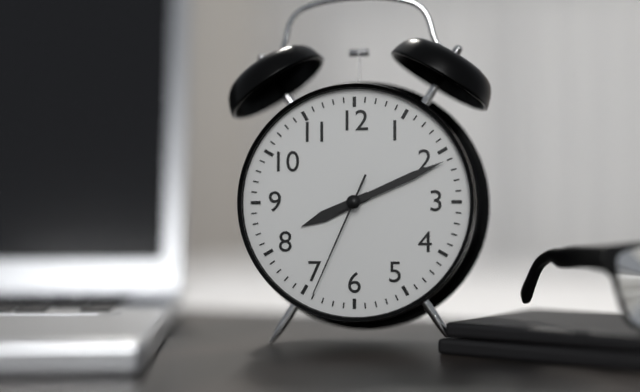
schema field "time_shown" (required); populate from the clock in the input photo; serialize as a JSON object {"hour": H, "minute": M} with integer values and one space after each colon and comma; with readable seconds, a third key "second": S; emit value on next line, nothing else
{"hour": 8, "minute": 11, "second": 34}
